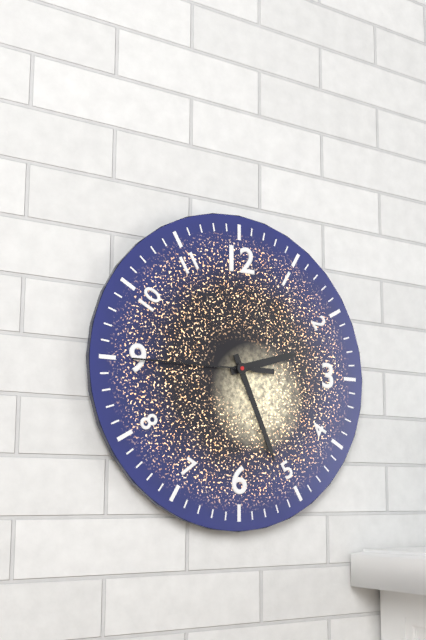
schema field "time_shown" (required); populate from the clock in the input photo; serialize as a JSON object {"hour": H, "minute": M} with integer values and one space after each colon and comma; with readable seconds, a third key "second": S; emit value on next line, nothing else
{"hour": 2, "minute": 26, "second": 45}
